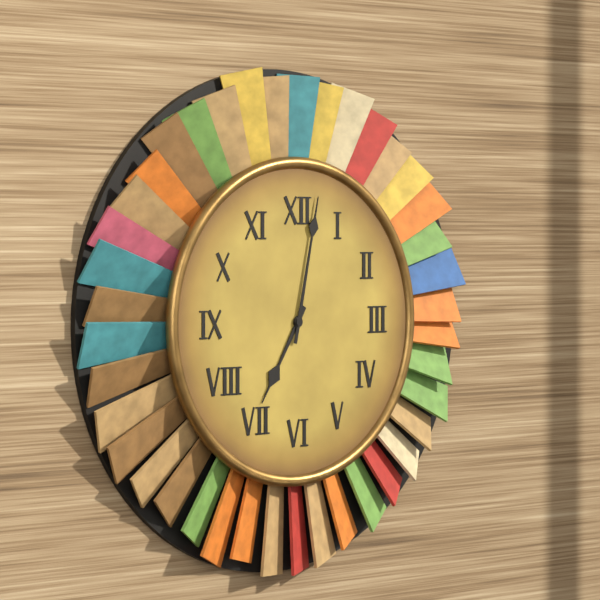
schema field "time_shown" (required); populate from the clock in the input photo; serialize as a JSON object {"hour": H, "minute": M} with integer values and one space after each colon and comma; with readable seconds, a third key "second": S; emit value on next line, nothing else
{"hour": 7, "minute": 2}
